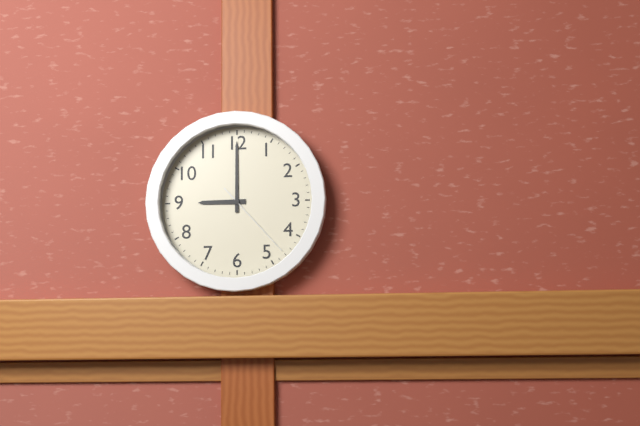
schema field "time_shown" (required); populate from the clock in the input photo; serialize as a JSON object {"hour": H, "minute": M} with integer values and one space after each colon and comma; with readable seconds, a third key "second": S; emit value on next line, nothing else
{"hour": 9, "minute": 0, "second": 23}
